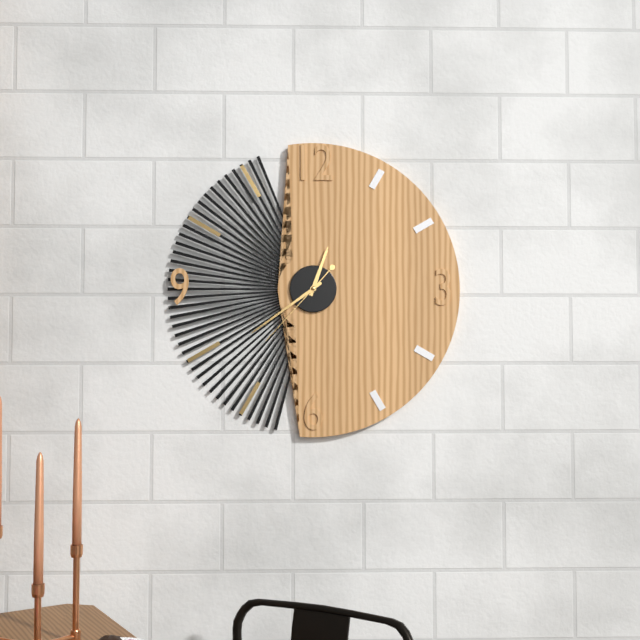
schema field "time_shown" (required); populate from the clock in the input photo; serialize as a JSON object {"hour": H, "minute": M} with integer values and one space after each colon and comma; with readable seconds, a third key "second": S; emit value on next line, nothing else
{"hour": 12, "minute": 39, "second": 37}
